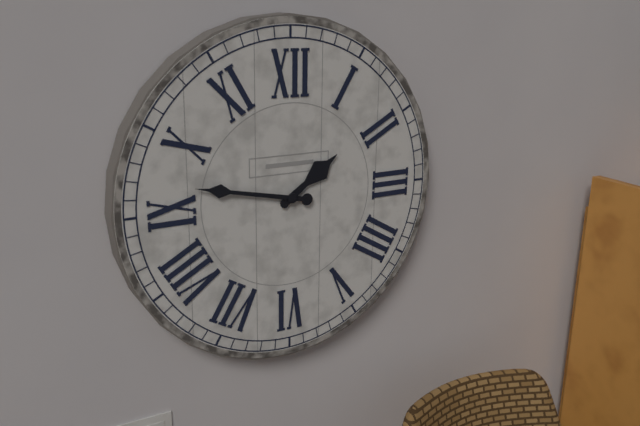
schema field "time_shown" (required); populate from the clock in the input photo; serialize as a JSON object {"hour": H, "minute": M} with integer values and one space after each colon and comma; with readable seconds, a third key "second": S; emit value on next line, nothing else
{"hour": 1, "minute": 47}
